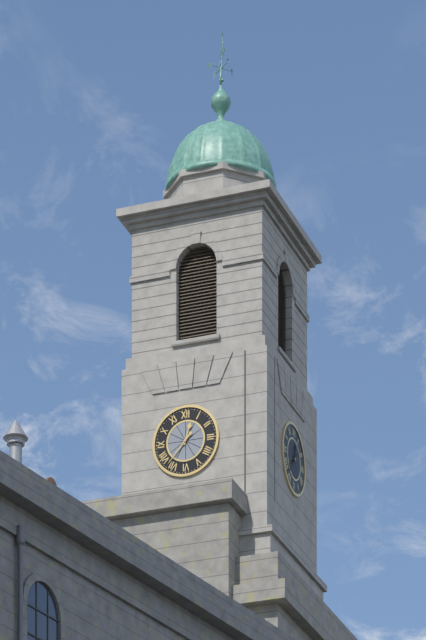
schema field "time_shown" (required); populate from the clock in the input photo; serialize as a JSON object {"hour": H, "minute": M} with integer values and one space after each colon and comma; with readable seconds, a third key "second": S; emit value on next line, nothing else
{"hour": 12, "minute": 37}
